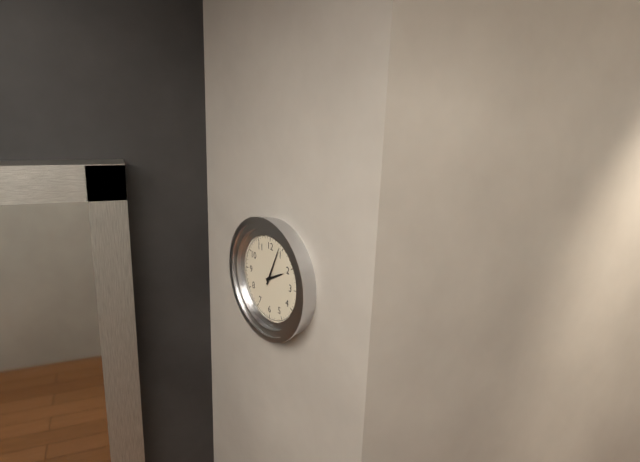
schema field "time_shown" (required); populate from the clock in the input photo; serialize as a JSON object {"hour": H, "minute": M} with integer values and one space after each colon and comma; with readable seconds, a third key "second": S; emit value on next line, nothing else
{"hour": 2, "minute": 4}
